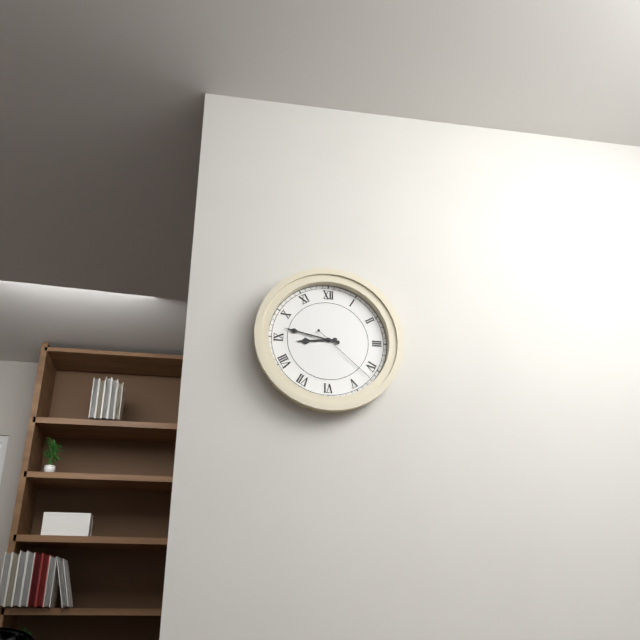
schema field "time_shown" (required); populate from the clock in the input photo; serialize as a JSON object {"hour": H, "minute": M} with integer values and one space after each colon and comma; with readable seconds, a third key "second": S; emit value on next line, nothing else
{"hour": 8, "minute": 47, "second": 22}
